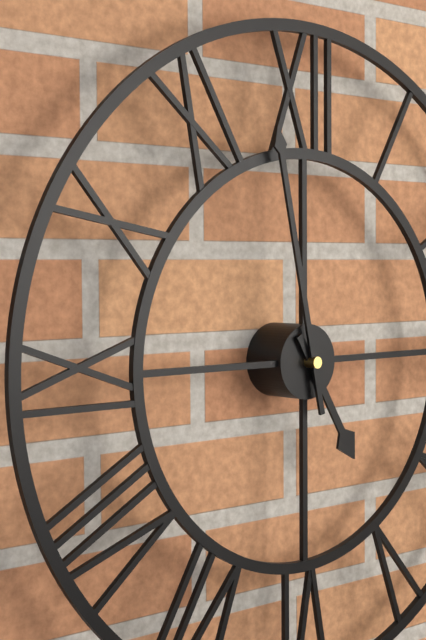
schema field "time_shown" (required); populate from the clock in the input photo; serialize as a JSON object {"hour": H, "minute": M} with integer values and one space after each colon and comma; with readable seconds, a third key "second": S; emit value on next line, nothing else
{"hour": 4, "minute": 58}
